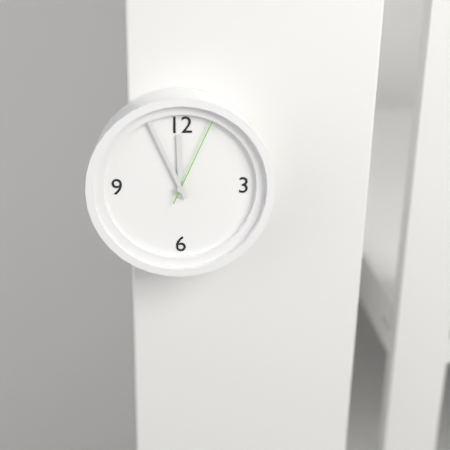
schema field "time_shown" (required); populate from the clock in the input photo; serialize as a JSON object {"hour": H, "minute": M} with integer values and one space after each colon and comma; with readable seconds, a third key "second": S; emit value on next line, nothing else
{"hour": 11, "minute": 56, "second": 4}
